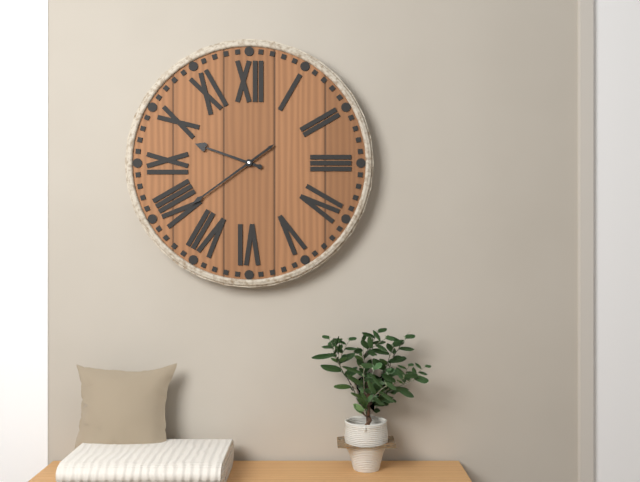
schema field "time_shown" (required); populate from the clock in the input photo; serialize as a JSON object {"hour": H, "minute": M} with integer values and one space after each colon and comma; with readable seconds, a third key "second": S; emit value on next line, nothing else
{"hour": 9, "minute": 39}
